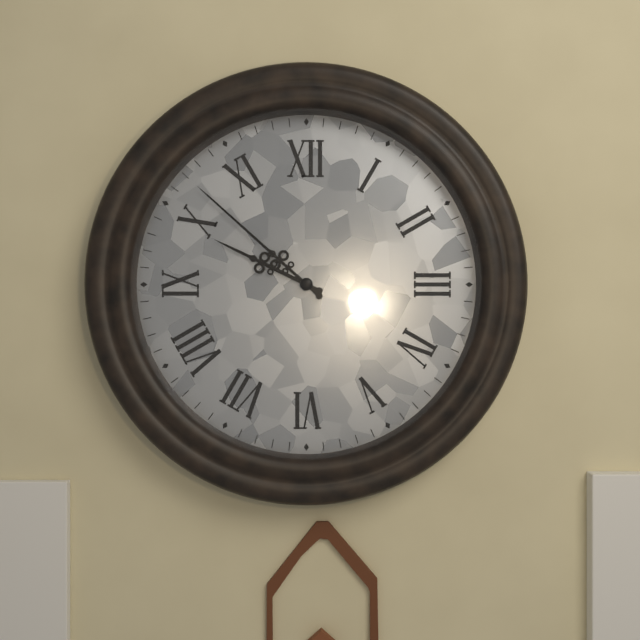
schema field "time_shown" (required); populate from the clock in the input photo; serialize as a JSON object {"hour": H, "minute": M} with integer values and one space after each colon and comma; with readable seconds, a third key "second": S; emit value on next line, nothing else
{"hour": 9, "minute": 52}
